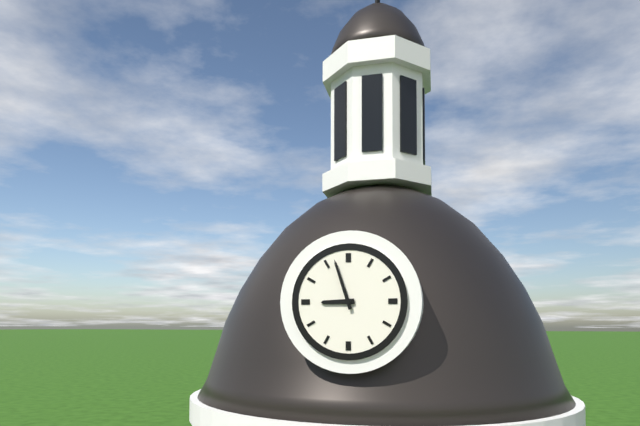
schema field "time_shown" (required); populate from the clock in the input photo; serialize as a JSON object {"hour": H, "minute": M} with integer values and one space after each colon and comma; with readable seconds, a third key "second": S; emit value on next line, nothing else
{"hour": 8, "minute": 57}
